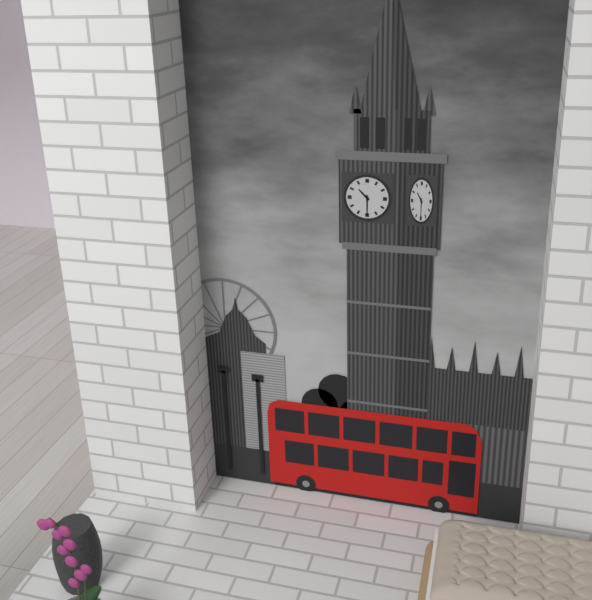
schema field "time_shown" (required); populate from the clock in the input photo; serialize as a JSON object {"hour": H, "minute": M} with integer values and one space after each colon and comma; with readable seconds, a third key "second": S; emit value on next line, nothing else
{"hour": 10, "minute": 30}
